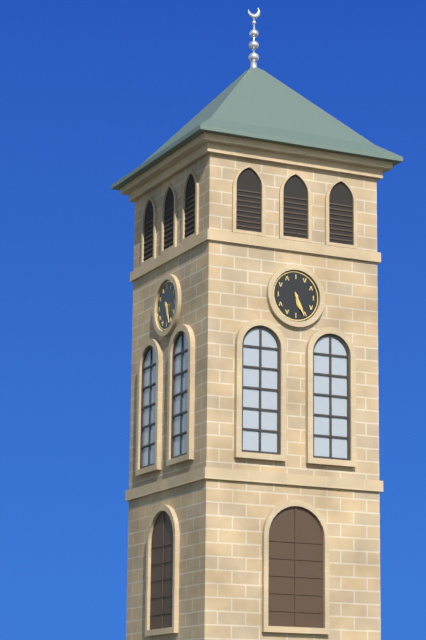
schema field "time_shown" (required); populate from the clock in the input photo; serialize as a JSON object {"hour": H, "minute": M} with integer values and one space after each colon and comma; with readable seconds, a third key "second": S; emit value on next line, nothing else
{"hour": 5, "minute": 26}
